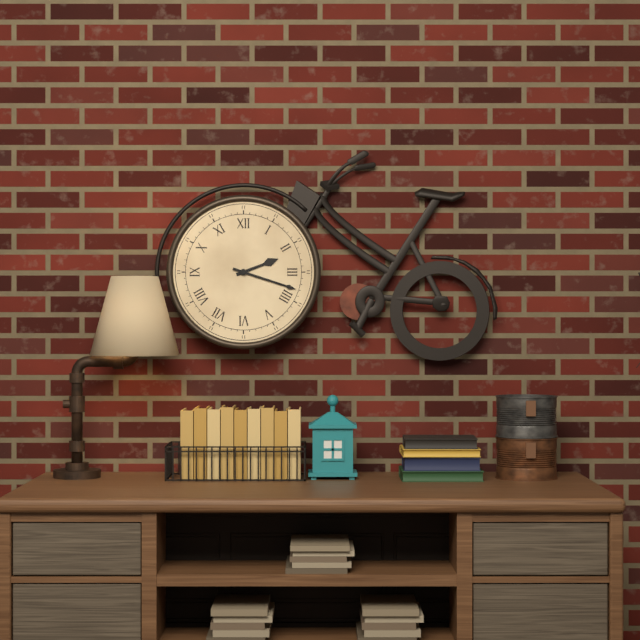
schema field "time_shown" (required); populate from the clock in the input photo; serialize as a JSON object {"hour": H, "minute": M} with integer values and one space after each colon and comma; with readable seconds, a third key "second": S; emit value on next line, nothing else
{"hour": 2, "minute": 18}
